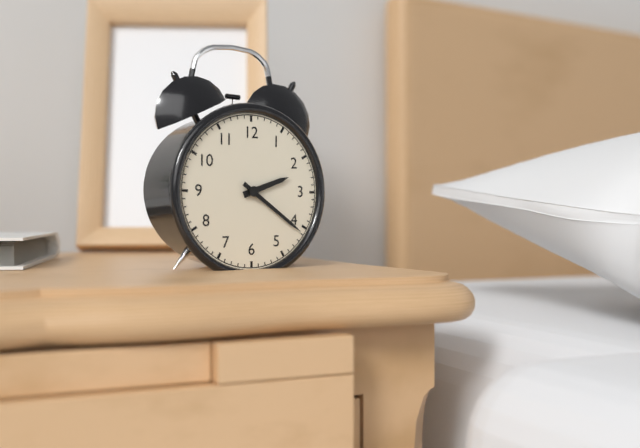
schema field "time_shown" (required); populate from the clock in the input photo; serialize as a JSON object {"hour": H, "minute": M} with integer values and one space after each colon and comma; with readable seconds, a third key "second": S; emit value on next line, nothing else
{"hour": 2, "minute": 21}
